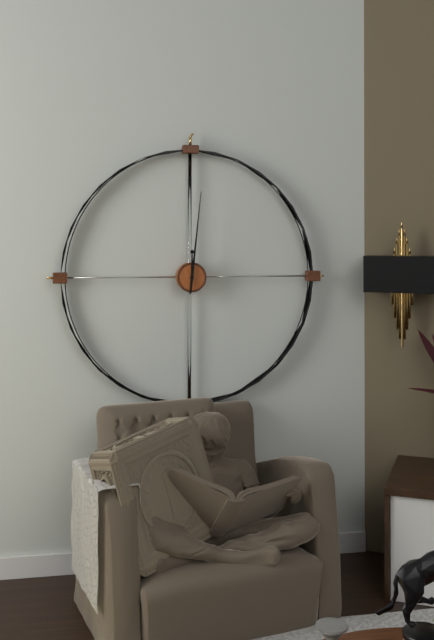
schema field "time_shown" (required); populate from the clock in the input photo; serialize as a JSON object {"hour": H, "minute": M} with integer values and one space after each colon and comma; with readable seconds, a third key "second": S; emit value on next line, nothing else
{"hour": 12, "minute": 1}
